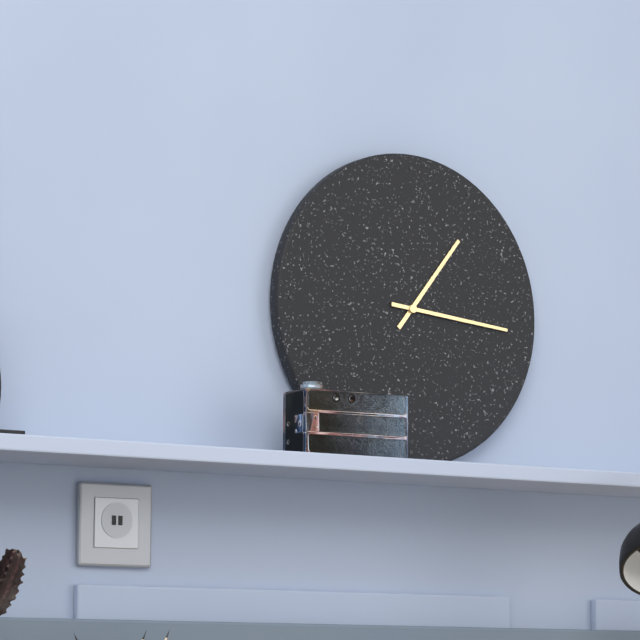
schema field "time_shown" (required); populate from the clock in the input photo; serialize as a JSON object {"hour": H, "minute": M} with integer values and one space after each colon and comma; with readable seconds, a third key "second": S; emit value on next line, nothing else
{"hour": 1, "minute": 16}
